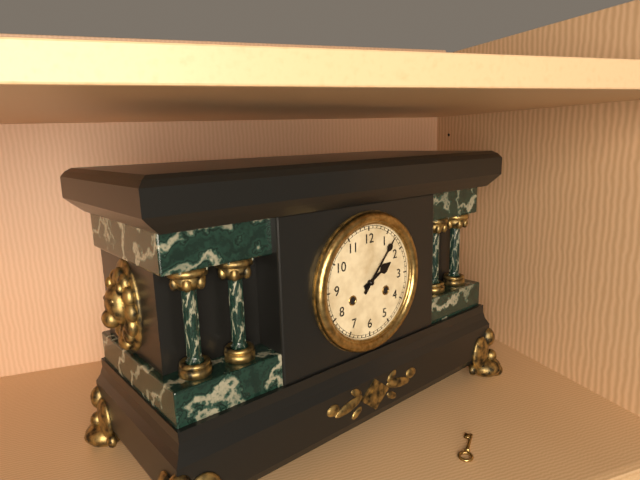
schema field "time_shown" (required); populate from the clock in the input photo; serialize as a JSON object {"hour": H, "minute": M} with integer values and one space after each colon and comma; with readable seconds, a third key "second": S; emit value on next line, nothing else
{"hour": 2, "minute": 7}
